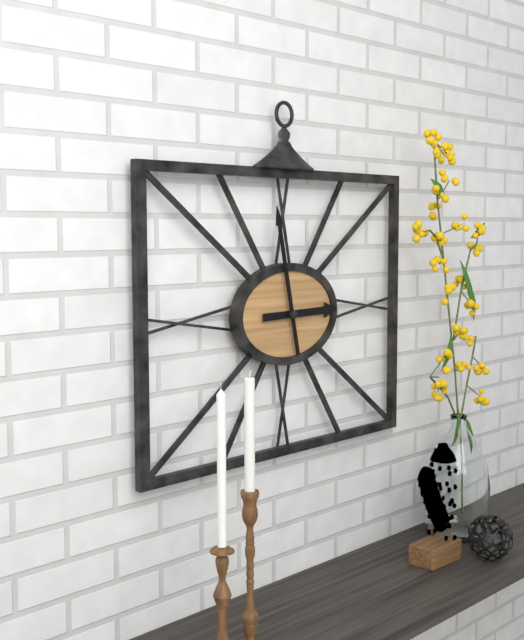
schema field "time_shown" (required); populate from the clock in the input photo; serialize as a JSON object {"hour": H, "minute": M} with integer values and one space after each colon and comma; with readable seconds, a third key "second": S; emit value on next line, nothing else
{"hour": 2, "minute": 58}
